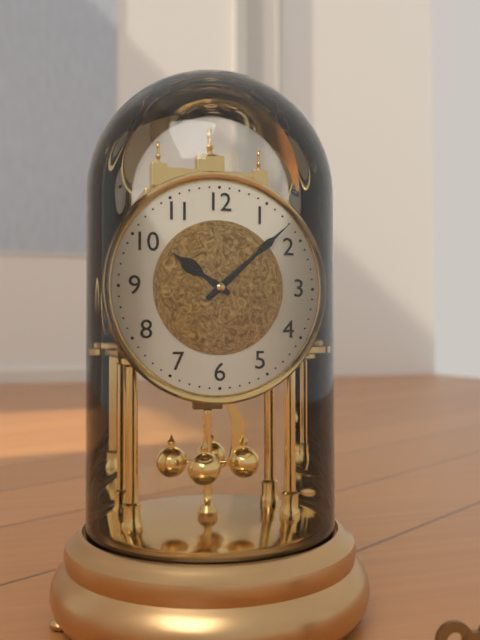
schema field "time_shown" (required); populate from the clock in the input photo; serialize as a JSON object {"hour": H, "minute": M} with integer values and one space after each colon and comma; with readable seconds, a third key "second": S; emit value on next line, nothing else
{"hour": 10, "minute": 8}
